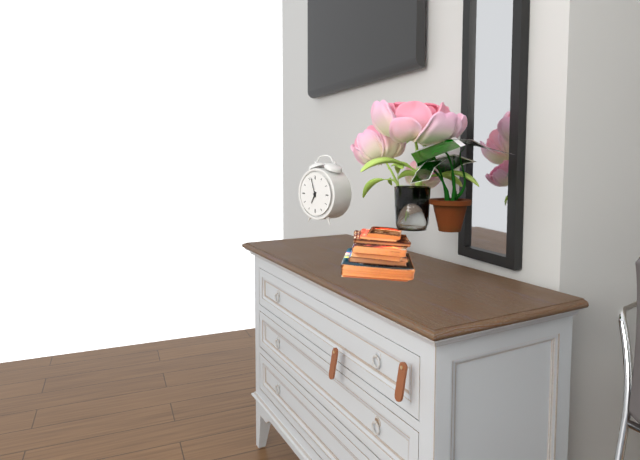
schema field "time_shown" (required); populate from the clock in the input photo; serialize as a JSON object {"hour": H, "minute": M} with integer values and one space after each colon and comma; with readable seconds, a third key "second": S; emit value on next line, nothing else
{"hour": 6, "minute": 57}
